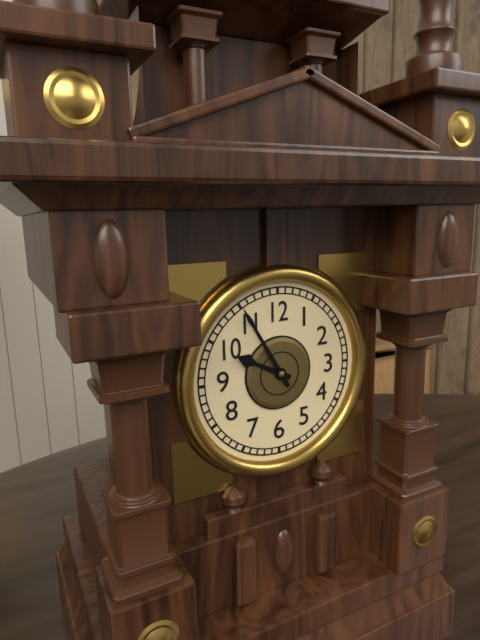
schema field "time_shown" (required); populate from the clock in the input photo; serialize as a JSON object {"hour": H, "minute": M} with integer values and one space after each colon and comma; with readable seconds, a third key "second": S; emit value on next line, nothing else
{"hour": 9, "minute": 55}
